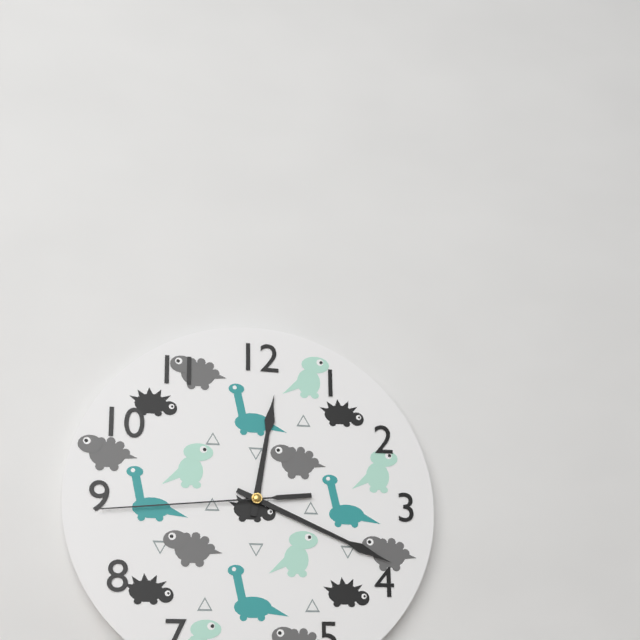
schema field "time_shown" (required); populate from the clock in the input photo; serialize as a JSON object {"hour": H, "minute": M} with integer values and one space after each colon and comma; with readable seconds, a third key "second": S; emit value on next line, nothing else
{"hour": 12, "minute": 19, "second": 44}
